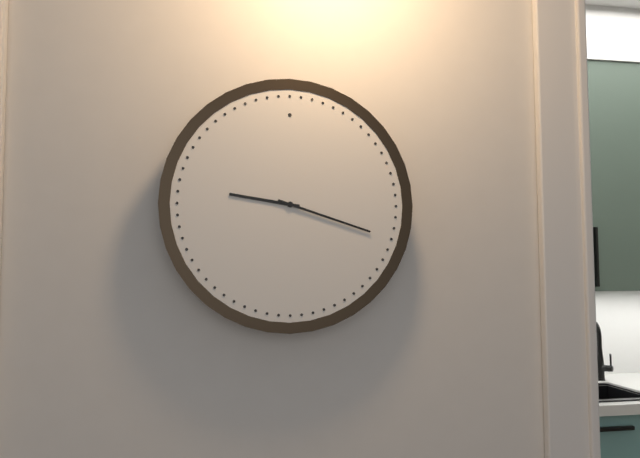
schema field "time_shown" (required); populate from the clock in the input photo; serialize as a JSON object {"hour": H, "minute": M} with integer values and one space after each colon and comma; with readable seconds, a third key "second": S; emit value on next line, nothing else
{"hour": 9, "minute": 18}
